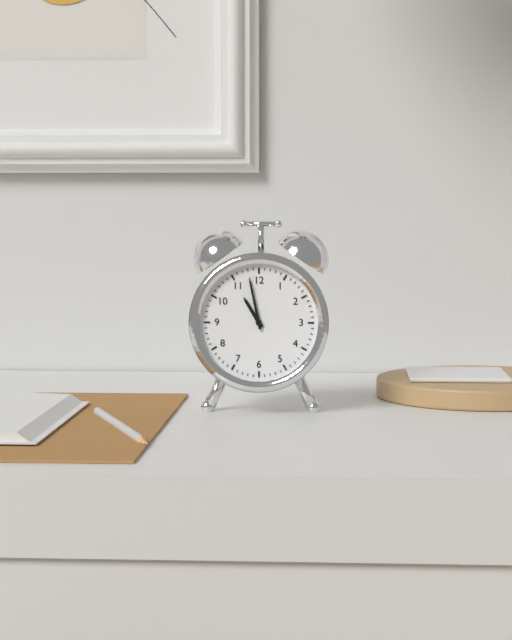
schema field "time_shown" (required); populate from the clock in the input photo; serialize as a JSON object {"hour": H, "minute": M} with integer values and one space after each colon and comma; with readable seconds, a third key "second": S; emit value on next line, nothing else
{"hour": 10, "minute": 58}
